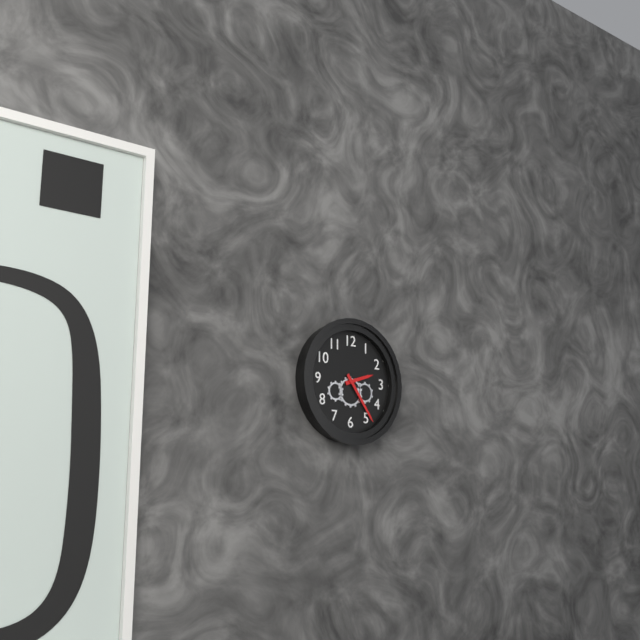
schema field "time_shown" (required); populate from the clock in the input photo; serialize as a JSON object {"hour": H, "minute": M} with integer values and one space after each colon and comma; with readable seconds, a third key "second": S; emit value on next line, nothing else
{"hour": 2, "minute": 24}
